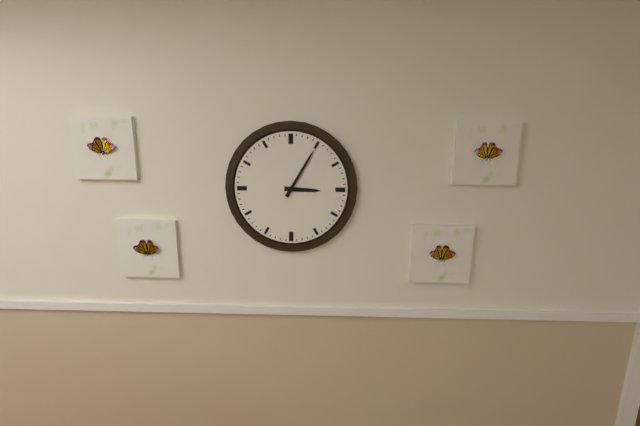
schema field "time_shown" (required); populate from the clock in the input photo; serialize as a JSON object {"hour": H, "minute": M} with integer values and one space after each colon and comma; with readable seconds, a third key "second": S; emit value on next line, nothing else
{"hour": 3, "minute": 5}
